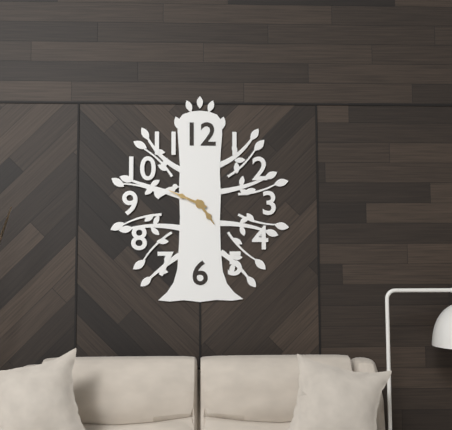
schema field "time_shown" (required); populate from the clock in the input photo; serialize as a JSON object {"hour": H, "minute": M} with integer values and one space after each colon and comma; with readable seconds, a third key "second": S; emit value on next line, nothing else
{"hour": 4, "minute": 49}
